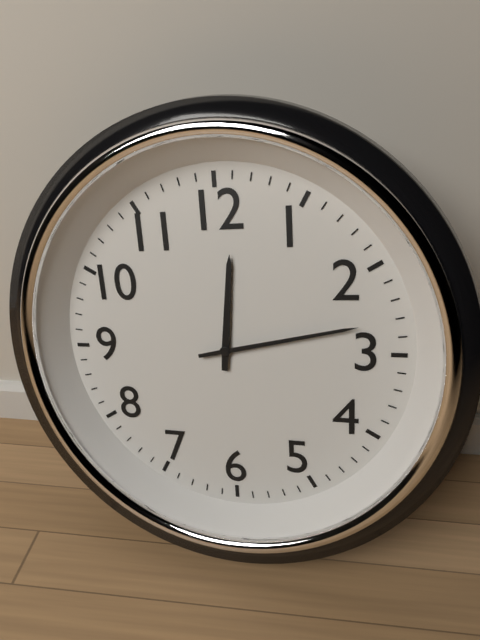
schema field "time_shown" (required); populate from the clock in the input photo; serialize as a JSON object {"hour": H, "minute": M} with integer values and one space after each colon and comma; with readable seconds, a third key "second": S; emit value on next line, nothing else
{"hour": 12, "minute": 13}
